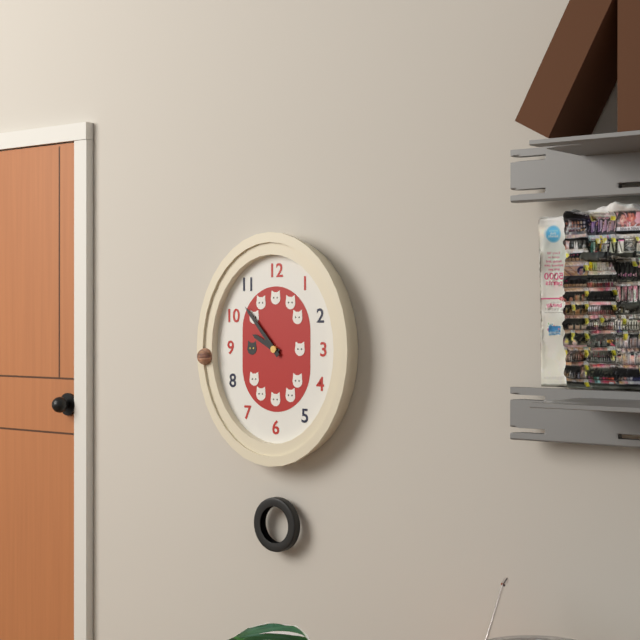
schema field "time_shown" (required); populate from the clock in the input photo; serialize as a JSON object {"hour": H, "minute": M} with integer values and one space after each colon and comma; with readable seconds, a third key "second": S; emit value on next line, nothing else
{"hour": 9, "minute": 53}
